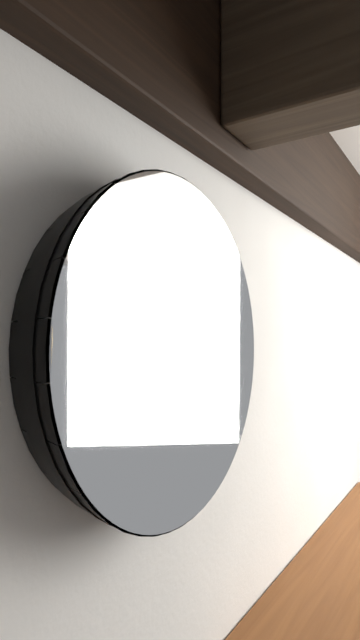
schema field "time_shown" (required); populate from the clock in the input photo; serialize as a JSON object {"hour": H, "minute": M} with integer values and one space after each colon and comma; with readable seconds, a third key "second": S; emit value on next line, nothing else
{"hour": 12, "minute": 56}
